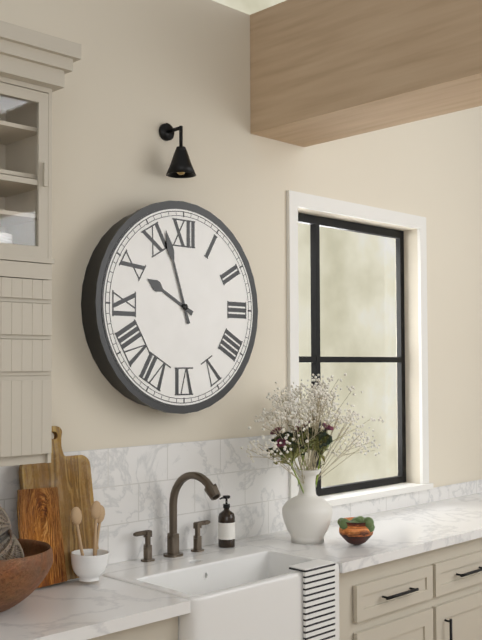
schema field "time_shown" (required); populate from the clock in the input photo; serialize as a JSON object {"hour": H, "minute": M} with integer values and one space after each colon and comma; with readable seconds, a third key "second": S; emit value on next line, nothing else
{"hour": 9, "minute": 57}
